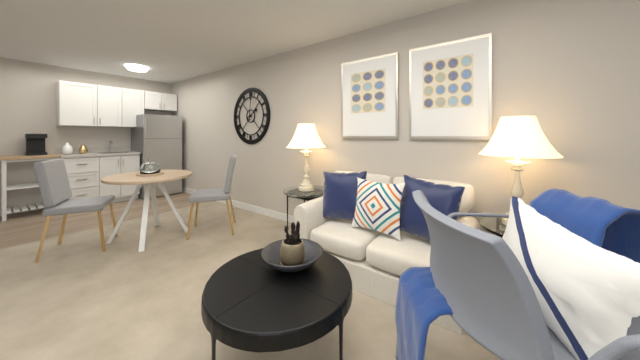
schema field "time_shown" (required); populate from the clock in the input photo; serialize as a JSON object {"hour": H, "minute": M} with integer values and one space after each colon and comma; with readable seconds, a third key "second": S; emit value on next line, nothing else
{"hour": 2, "minute": 1}
